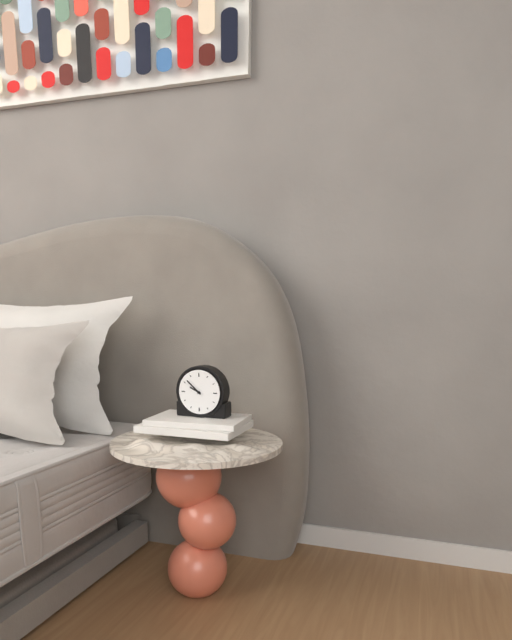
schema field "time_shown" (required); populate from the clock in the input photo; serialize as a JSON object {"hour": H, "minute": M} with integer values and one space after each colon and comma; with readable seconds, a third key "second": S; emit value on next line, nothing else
{"hour": 9, "minute": 52}
